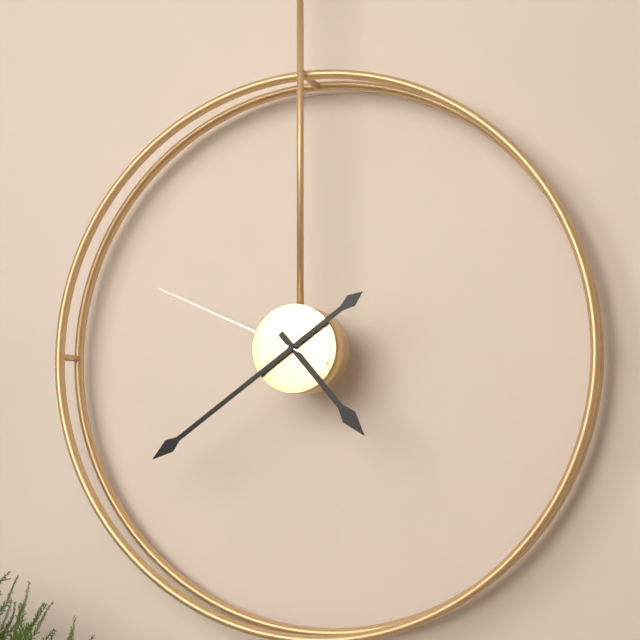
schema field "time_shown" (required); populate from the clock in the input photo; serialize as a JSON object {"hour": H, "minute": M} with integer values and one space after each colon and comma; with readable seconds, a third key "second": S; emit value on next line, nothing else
{"hour": 4, "minute": 39, "second": 49}
